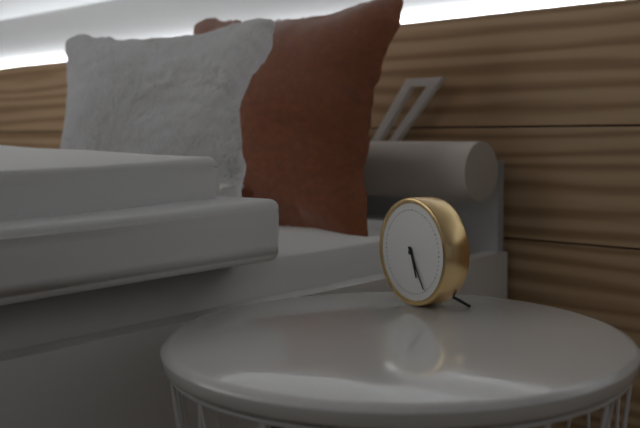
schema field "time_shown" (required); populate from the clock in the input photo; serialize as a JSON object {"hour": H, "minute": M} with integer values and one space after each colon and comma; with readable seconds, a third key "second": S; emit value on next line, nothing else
{"hour": 5, "minute": 25}
